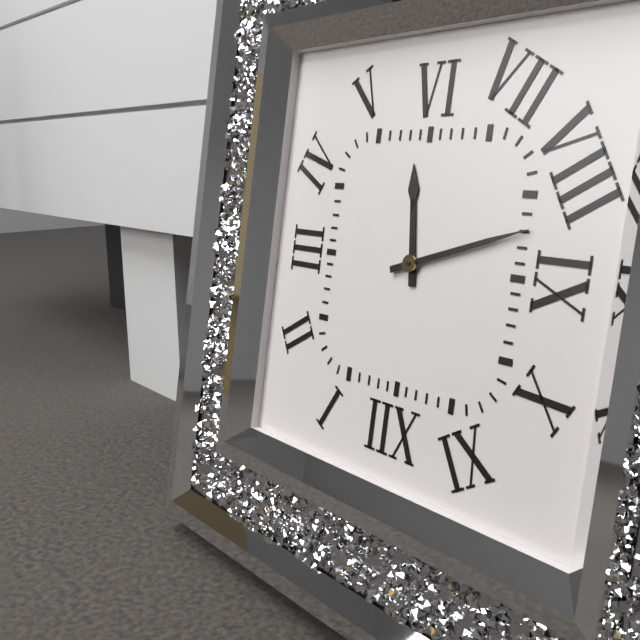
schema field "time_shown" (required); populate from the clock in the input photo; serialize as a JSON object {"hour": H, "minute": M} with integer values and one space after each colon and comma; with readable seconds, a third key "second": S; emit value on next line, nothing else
{"hour": 5, "minute": 42}
